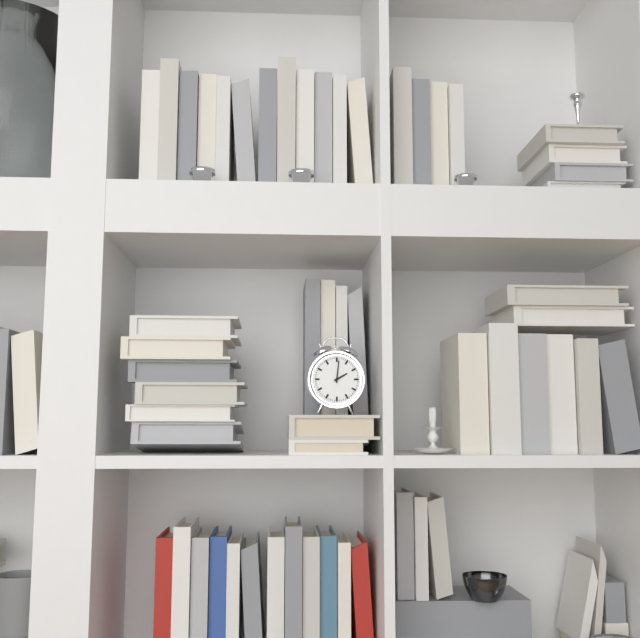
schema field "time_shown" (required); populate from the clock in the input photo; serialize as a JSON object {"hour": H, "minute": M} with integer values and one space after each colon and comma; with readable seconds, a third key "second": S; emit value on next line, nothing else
{"hour": 2, "minute": 1}
